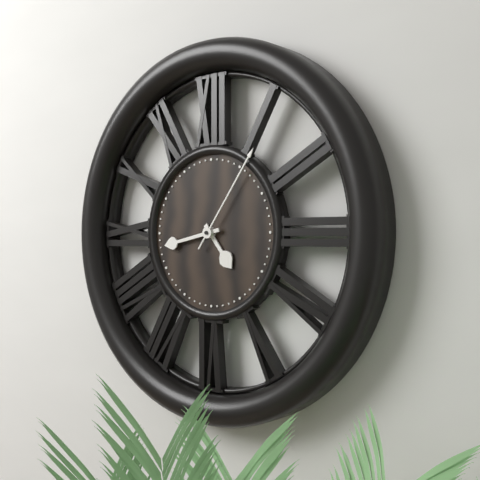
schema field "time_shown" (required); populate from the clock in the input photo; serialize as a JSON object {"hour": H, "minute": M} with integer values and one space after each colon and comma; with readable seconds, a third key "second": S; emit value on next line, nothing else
{"hour": 4, "minute": 43, "second": 6}
